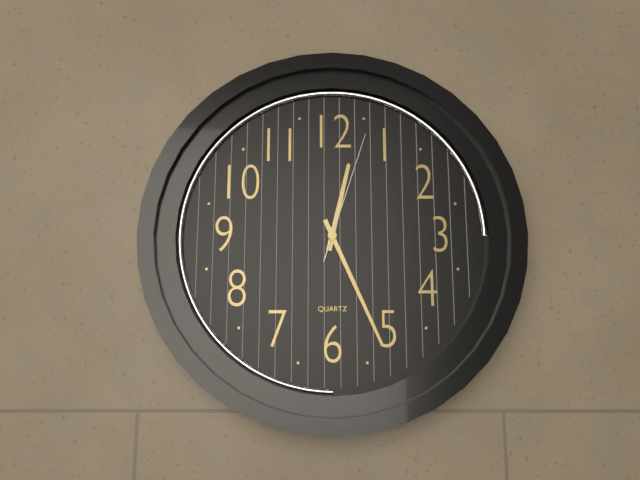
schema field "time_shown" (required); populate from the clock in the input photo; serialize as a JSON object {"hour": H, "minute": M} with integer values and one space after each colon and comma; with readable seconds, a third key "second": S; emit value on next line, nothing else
{"hour": 12, "minute": 26, "second": 3}
